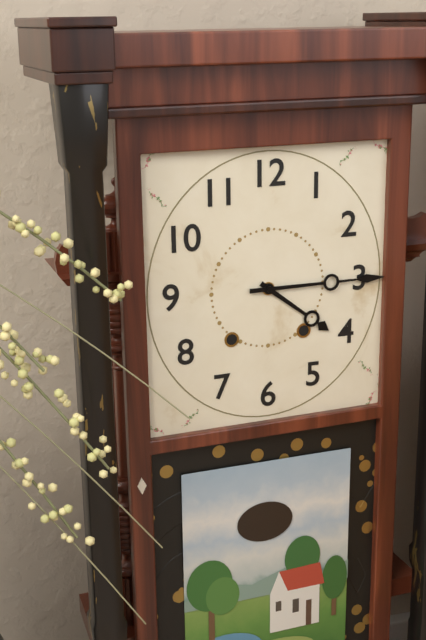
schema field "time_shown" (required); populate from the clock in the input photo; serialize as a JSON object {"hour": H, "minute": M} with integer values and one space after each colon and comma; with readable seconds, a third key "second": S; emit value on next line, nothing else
{"hour": 4, "minute": 15}
